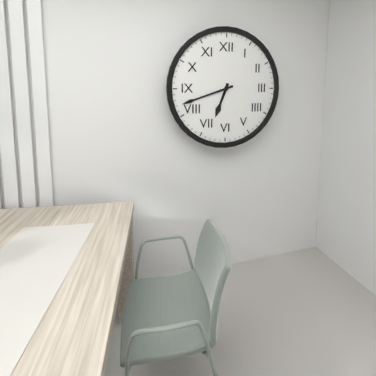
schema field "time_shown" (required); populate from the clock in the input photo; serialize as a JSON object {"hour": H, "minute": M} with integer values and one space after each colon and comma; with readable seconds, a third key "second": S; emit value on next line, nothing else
{"hour": 6, "minute": 42}
